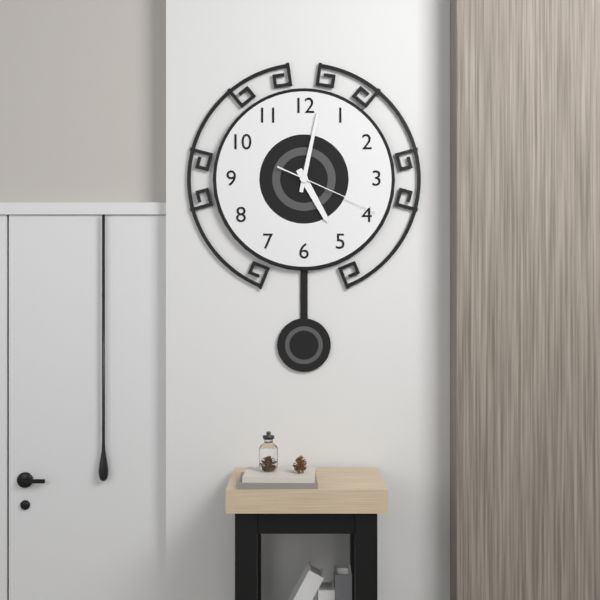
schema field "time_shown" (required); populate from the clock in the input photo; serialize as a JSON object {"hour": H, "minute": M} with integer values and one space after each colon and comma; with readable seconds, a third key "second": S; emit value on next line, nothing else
{"hour": 5, "minute": 2, "second": 19}
